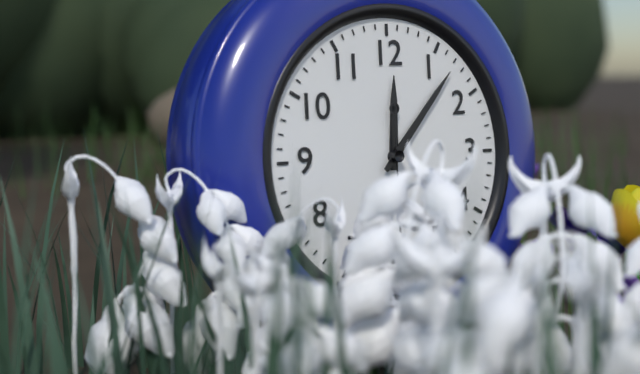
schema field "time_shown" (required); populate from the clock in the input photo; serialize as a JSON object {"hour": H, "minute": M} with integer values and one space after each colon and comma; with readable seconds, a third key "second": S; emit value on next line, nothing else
{"hour": 12, "minute": 7}
